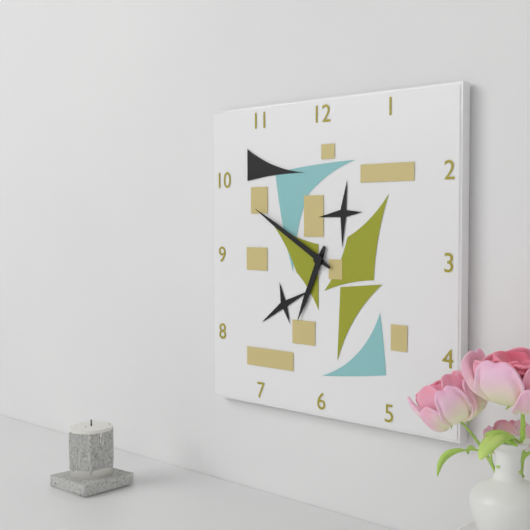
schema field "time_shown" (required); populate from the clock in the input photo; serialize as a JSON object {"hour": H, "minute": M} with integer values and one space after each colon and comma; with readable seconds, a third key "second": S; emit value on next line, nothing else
{"hour": 6, "minute": 50}
